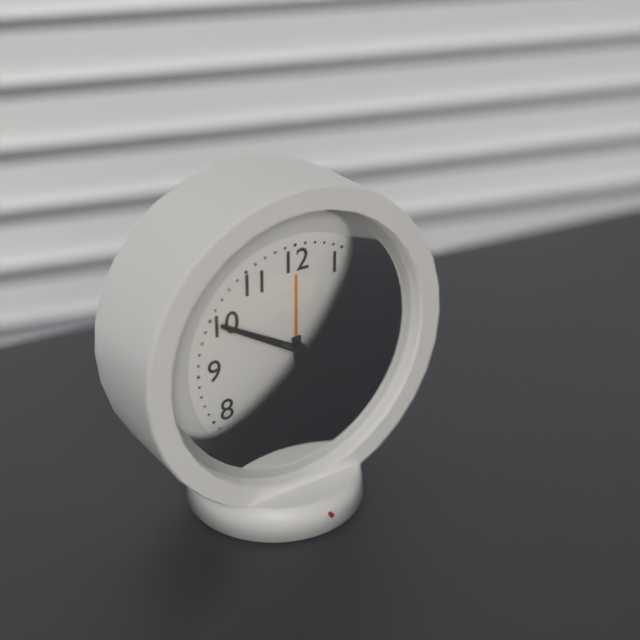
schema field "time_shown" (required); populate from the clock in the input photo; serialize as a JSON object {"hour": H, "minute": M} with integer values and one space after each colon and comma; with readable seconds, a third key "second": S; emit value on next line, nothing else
{"hour": 5, "minute": 50, "second": 20}
